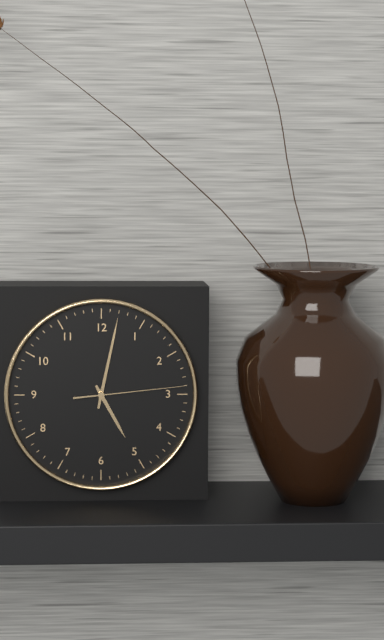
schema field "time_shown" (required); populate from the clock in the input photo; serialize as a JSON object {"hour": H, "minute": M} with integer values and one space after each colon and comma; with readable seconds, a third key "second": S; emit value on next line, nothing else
{"hour": 5, "minute": 2, "second": 14}
